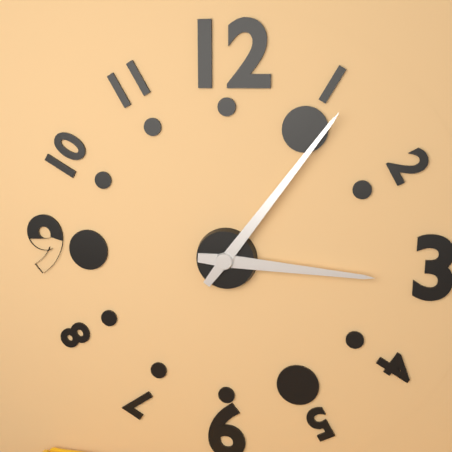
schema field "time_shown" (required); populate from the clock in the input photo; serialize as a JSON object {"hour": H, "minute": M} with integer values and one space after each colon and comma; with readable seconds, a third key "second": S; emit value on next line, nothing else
{"hour": 3, "minute": 6}
